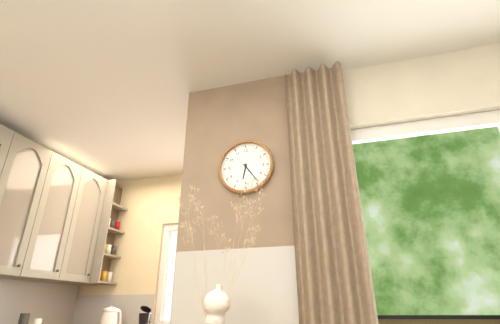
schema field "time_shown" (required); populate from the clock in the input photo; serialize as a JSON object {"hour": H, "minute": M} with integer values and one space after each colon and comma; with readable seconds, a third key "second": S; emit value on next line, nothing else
{"hour": 6, "minute": 24}
